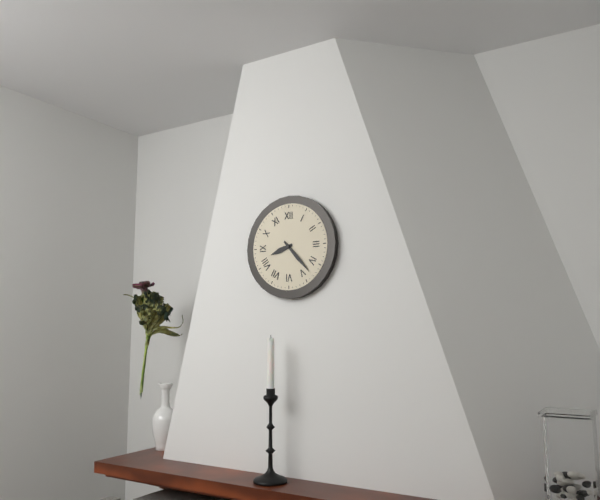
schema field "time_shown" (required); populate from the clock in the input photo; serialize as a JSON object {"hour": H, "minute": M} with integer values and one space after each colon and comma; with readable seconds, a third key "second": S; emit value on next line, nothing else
{"hour": 8, "minute": 23}
